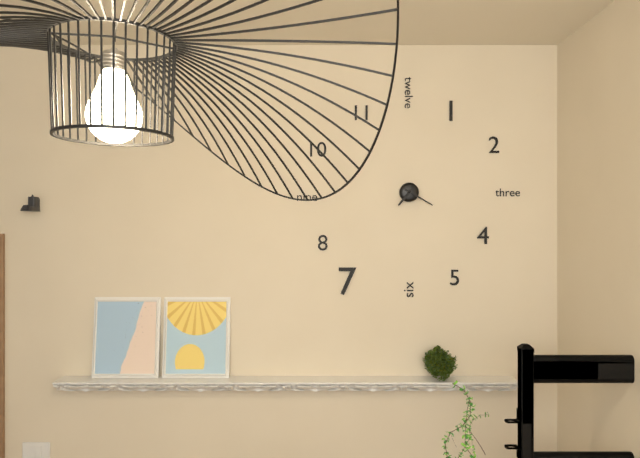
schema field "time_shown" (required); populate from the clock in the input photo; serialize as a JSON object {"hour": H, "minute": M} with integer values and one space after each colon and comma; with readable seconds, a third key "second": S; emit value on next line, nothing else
{"hour": 7, "minute": 20}
